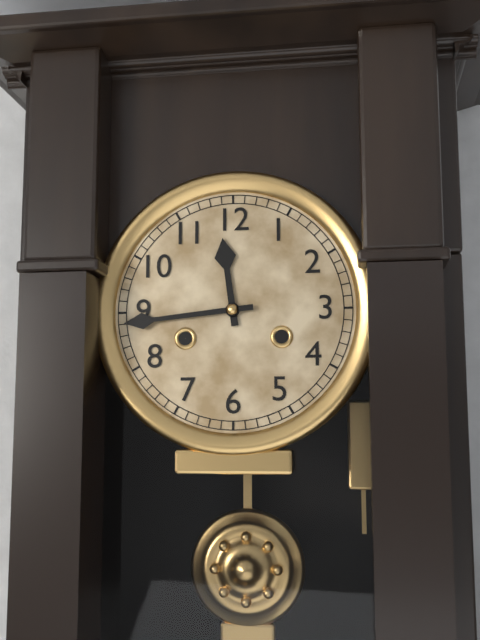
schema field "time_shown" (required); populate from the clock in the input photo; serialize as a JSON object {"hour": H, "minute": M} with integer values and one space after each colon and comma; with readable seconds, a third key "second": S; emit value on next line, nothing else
{"hour": 11, "minute": 44}
